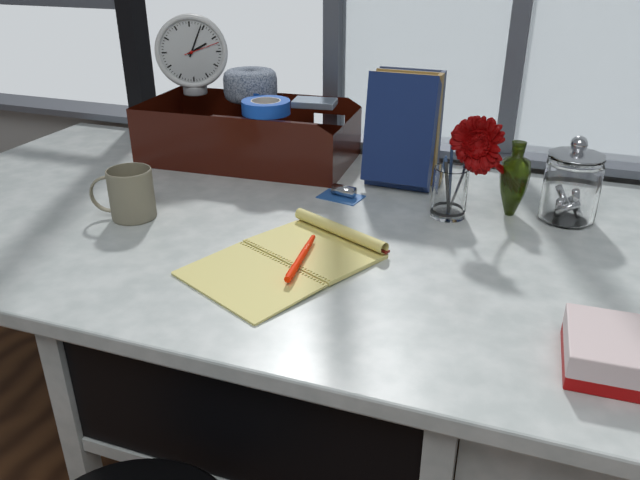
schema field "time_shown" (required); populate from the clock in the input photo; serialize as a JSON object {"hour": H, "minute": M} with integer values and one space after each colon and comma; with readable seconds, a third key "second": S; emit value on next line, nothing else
{"hour": 2, "minute": 4}
